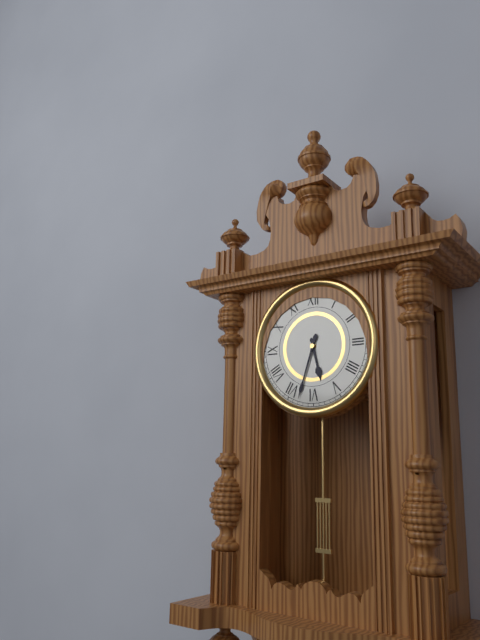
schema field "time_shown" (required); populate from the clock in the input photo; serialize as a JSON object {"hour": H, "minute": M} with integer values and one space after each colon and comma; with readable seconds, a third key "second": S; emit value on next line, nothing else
{"hour": 5, "minute": 33}
